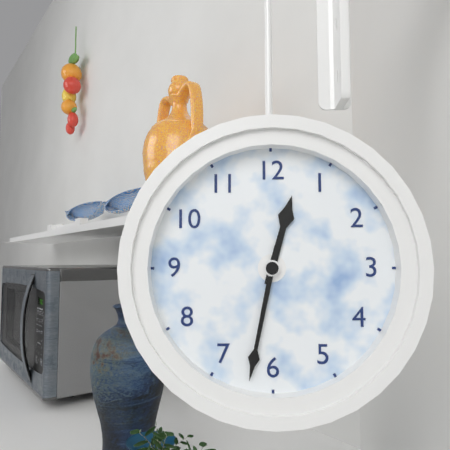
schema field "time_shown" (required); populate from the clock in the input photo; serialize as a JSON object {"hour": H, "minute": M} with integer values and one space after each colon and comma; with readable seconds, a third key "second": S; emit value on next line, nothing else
{"hour": 12, "minute": 32}
